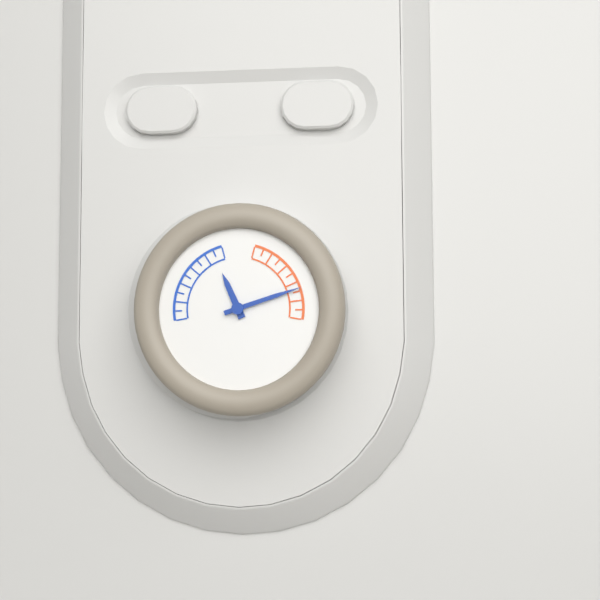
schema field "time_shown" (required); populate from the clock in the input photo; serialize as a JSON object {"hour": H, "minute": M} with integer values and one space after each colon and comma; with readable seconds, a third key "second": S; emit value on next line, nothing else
{"hour": 11, "minute": 12}
